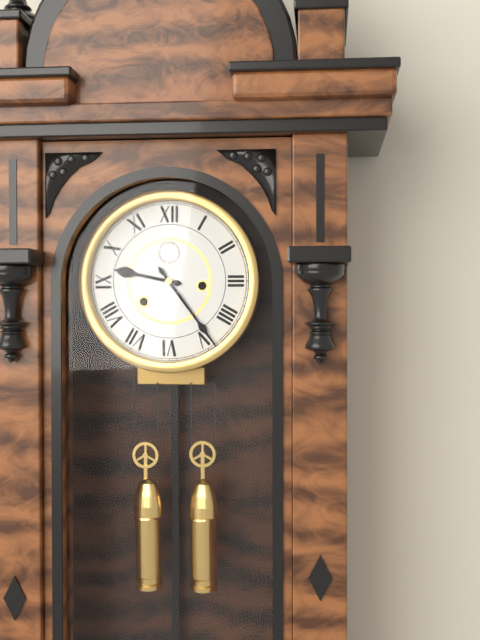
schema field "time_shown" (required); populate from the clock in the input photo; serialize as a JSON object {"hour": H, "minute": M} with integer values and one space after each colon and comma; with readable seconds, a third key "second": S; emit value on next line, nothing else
{"hour": 9, "minute": 24}
